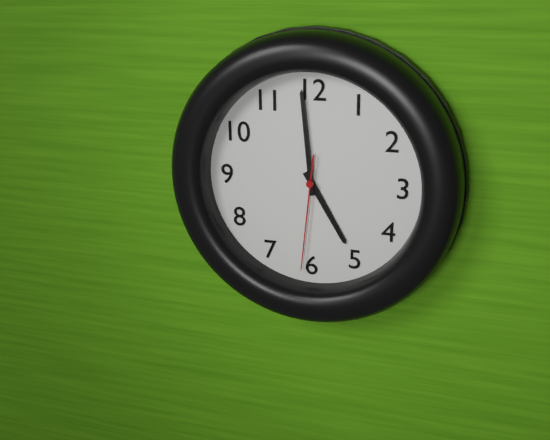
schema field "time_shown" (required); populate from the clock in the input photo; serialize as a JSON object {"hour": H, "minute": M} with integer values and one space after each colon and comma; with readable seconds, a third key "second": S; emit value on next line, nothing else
{"hour": 4, "minute": 59, "second": 31}
